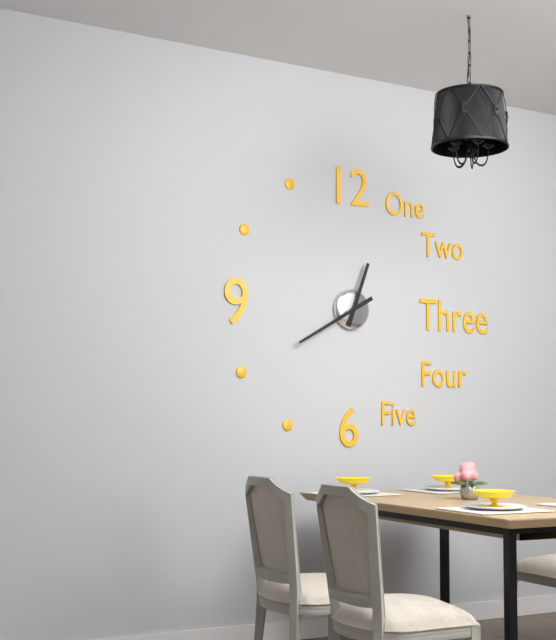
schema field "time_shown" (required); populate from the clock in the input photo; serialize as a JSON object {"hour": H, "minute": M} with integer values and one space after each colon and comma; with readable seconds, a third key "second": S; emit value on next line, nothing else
{"hour": 12, "minute": 40}
